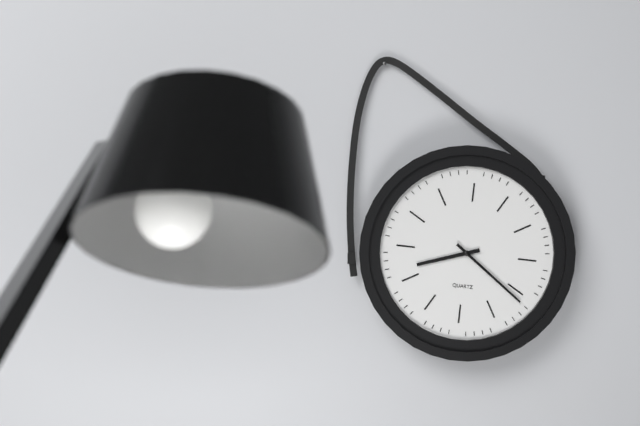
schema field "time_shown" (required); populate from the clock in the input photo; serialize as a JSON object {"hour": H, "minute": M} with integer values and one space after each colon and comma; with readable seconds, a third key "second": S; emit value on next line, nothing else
{"hour": 8, "minute": 21}
